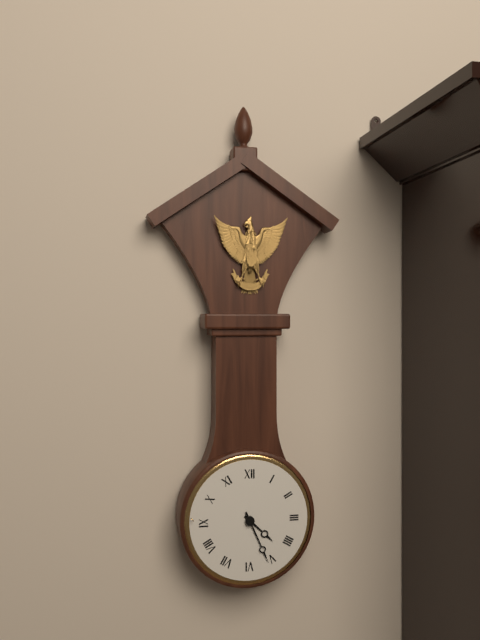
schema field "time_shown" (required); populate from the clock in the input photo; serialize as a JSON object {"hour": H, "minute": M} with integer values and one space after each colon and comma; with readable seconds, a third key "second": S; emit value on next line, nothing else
{"hour": 4, "minute": 26}
